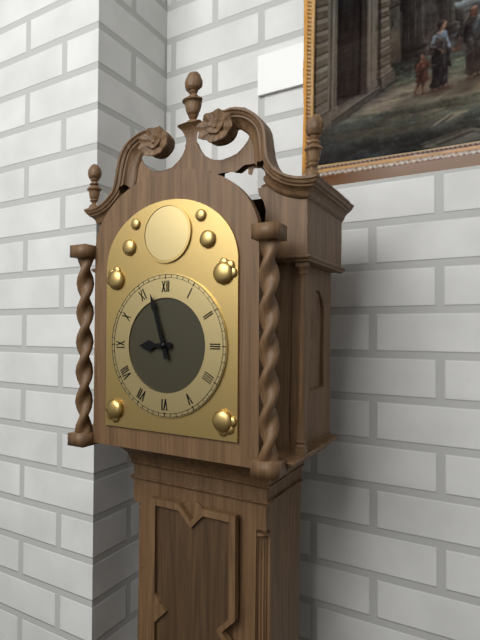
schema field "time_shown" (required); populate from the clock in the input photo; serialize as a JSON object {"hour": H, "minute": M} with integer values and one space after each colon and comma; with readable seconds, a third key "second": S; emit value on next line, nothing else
{"hour": 8, "minute": 57}
